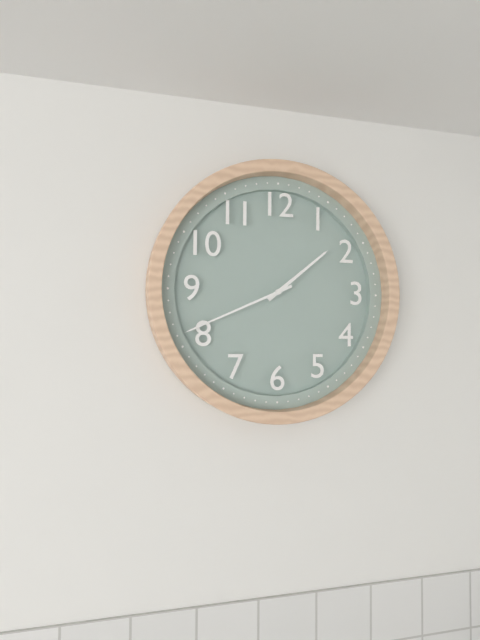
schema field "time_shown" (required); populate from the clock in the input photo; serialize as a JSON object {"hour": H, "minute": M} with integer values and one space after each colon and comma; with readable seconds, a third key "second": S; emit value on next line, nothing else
{"hour": 1, "minute": 41}
